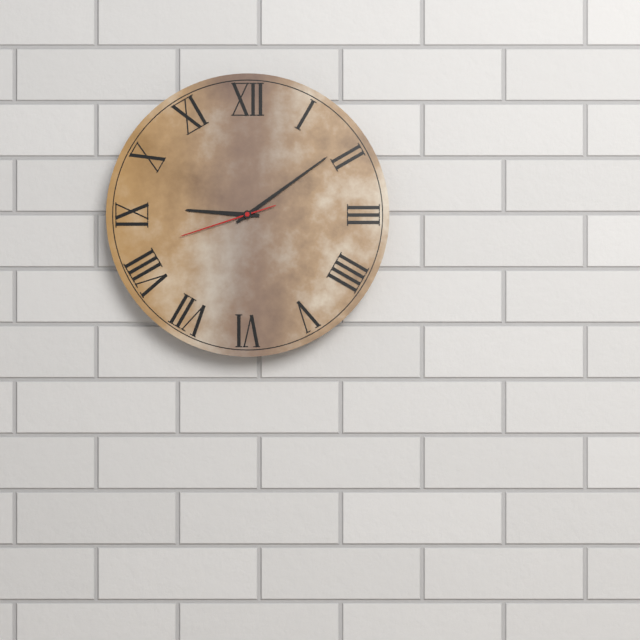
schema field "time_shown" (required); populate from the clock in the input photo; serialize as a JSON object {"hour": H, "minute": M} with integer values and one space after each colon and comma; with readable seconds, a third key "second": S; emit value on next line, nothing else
{"hour": 9, "minute": 9, "second": 42}
